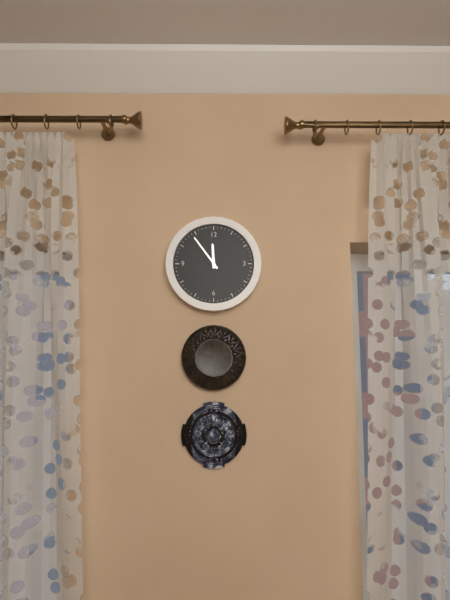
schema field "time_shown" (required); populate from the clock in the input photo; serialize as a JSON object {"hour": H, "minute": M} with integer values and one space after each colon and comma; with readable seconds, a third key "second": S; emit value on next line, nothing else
{"hour": 11, "minute": 54}
